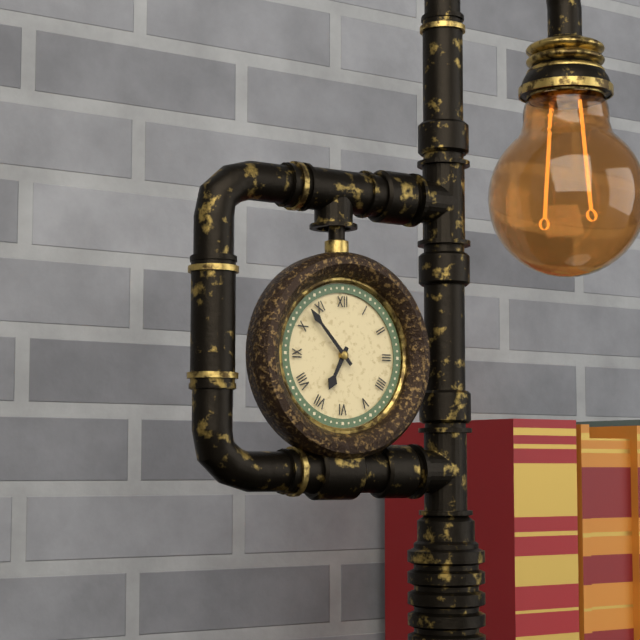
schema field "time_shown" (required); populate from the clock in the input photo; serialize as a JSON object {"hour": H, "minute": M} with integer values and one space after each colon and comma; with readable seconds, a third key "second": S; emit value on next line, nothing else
{"hour": 6, "minute": 53}
